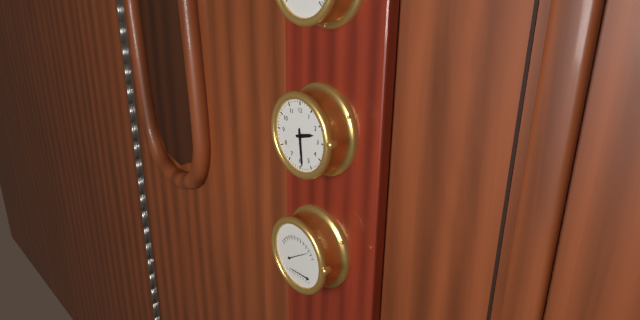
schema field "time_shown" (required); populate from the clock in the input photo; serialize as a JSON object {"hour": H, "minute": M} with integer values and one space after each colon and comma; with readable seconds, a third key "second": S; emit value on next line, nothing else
{"hour": 2, "minute": 29}
